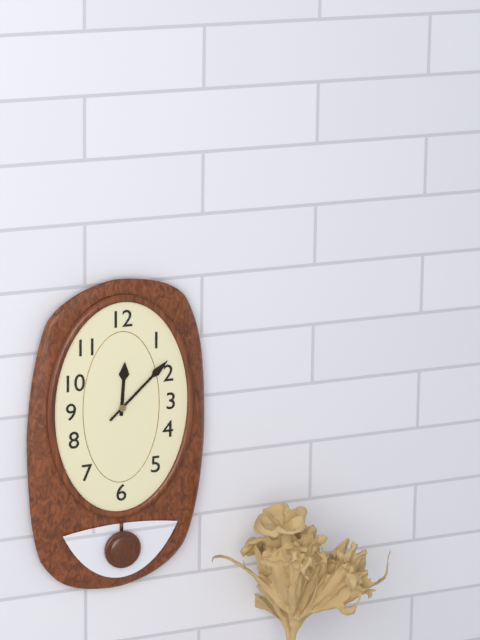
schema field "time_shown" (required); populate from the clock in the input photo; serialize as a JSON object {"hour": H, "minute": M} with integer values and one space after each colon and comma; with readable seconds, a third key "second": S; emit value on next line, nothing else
{"hour": 12, "minute": 8}
